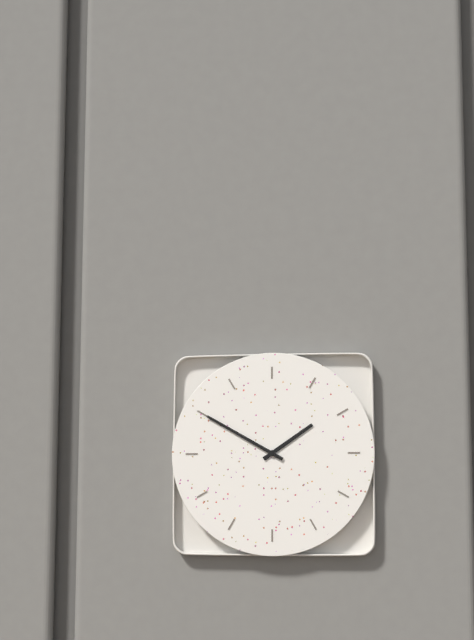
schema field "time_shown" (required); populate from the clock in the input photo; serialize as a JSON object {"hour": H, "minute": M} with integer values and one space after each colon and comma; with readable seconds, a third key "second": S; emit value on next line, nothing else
{"hour": 1, "minute": 50}
